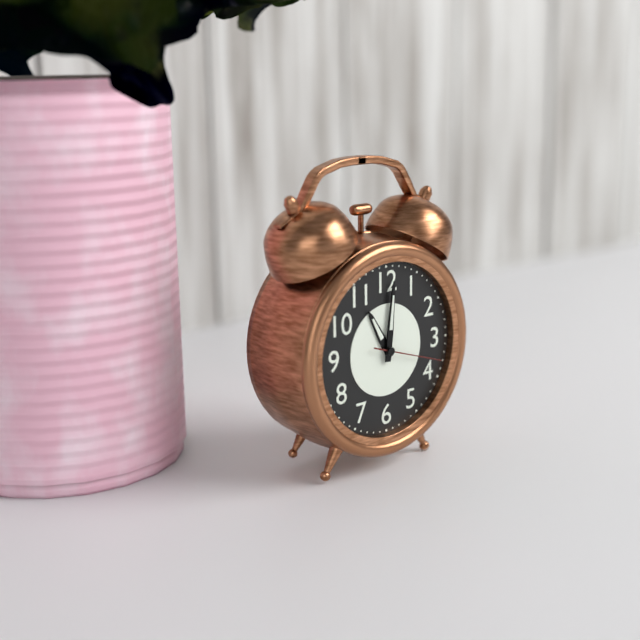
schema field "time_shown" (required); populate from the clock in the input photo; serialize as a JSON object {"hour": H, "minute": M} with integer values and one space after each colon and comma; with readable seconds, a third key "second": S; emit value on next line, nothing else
{"hour": 11, "minute": 1, "second": 18}
